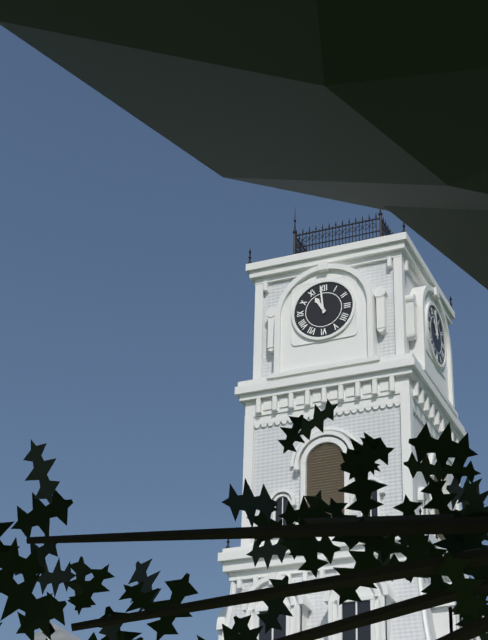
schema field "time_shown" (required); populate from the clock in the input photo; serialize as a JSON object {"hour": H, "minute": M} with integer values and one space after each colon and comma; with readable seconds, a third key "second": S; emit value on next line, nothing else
{"hour": 10, "minute": 59}
